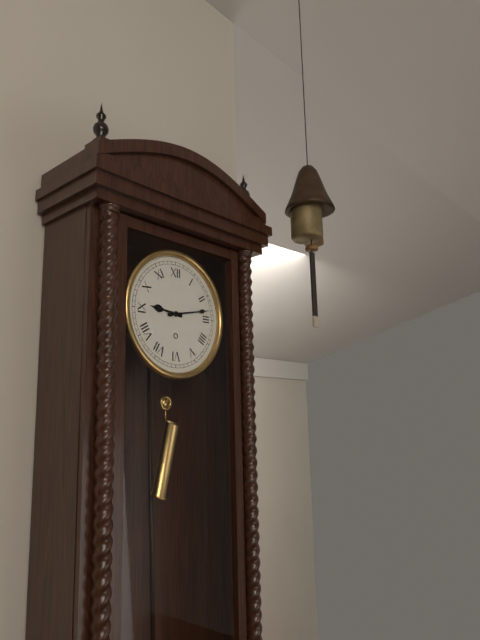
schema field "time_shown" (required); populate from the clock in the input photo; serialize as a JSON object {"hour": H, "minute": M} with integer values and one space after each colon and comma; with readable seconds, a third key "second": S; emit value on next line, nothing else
{"hour": 9, "minute": 13}
